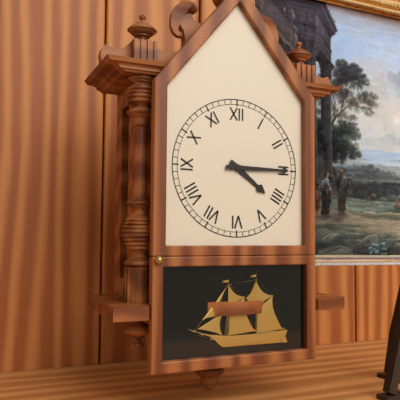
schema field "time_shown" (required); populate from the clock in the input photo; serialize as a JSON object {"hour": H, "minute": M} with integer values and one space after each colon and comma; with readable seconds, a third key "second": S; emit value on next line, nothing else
{"hour": 4, "minute": 15}
